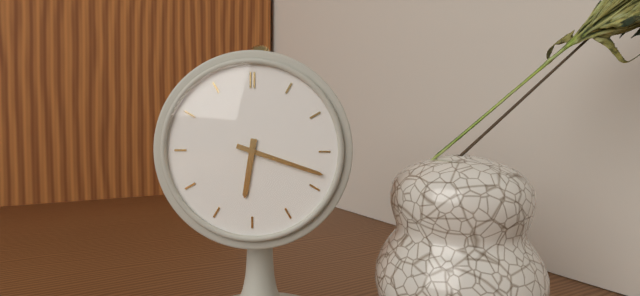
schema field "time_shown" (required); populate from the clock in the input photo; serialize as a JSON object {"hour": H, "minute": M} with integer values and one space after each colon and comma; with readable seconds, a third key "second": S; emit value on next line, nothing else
{"hour": 6, "minute": 18}
